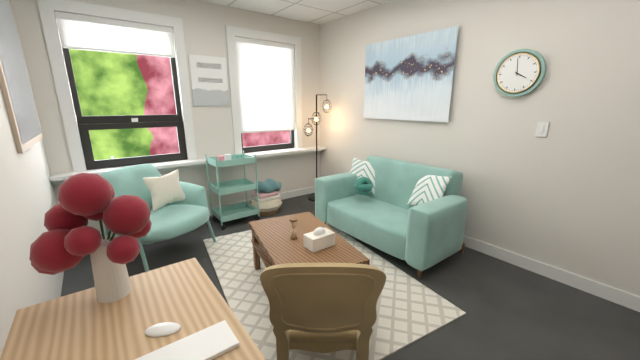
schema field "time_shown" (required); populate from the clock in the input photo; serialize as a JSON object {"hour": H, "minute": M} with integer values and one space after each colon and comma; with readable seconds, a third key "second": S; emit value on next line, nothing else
{"hour": 3, "minute": 59}
